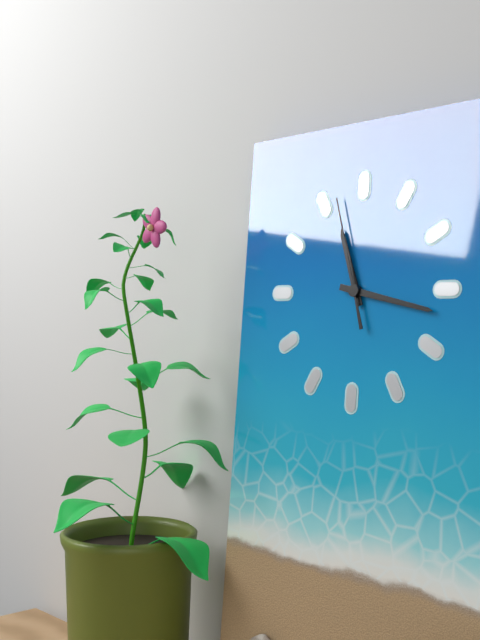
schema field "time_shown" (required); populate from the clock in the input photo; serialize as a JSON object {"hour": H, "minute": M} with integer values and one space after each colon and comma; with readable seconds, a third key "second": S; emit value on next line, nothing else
{"hour": 11, "minute": 17, "second": 57}
